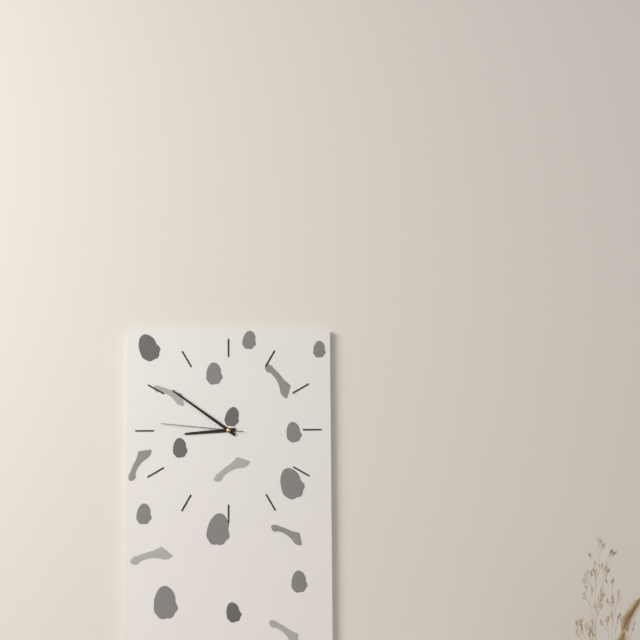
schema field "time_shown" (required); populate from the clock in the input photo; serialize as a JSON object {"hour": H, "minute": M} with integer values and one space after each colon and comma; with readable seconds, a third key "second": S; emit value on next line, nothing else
{"hour": 8, "minute": 51, "second": 46}
